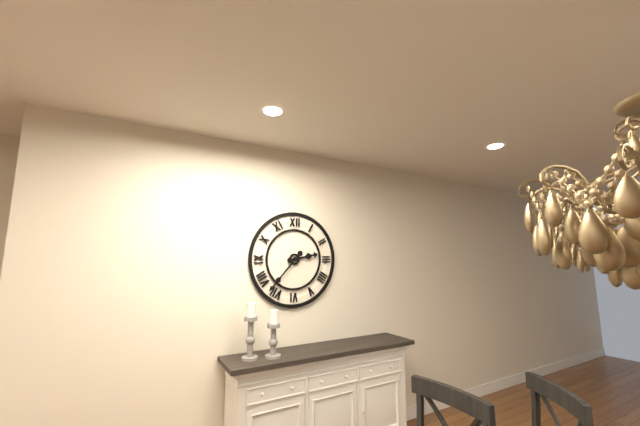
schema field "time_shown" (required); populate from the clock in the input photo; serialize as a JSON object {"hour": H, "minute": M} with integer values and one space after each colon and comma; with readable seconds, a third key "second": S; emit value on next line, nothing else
{"hour": 2, "minute": 37}
